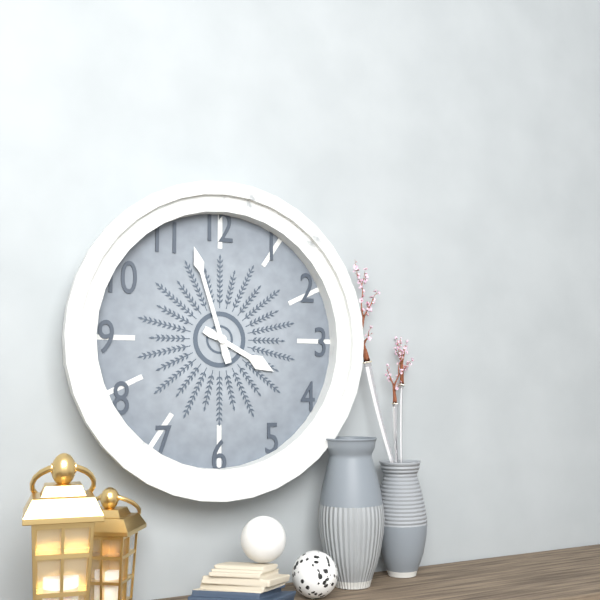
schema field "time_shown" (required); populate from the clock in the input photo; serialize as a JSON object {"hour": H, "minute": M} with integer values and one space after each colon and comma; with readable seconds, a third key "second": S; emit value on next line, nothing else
{"hour": 3, "minute": 57}
